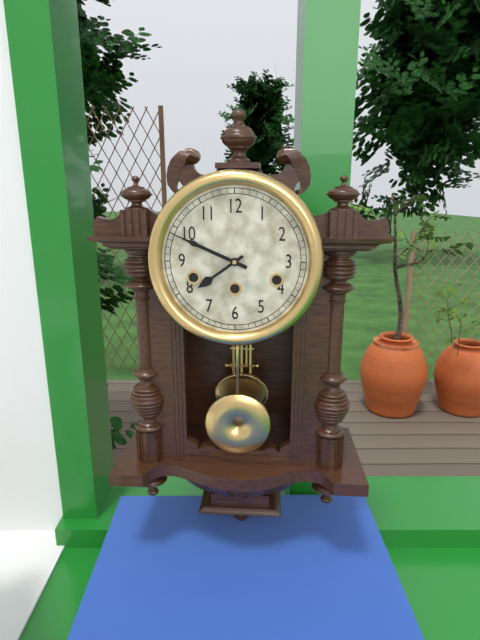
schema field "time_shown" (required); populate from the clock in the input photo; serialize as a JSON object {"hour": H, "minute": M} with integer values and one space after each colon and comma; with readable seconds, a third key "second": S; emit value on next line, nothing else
{"hour": 7, "minute": 49}
